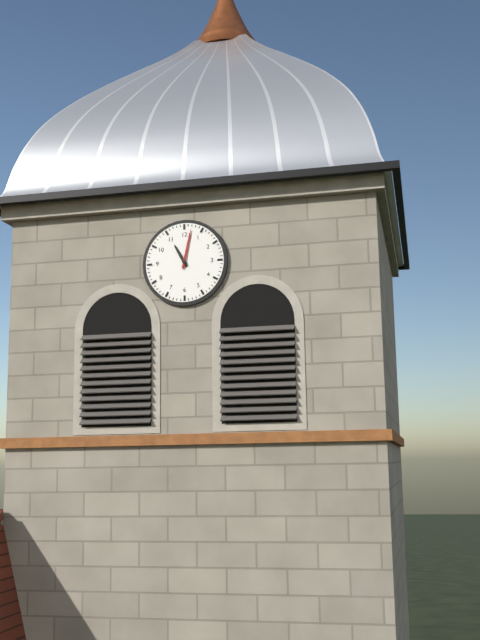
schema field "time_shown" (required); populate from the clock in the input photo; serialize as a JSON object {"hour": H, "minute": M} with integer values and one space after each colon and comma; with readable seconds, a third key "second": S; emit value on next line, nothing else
{"hour": 11, "minute": 2}
